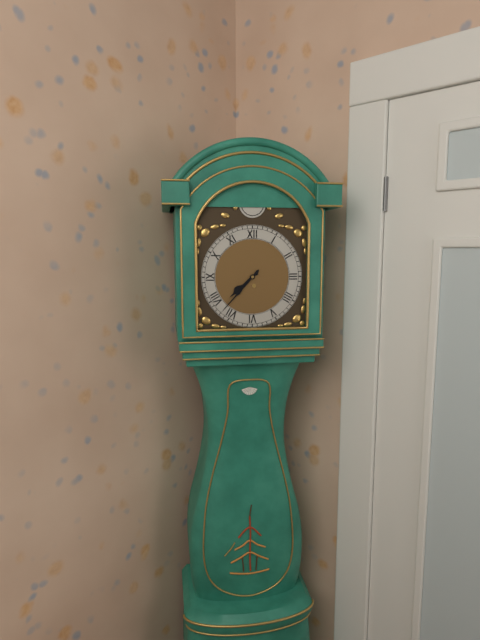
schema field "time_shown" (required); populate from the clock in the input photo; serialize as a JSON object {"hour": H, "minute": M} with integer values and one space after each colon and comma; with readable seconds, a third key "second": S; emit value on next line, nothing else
{"hour": 7, "minute": 37}
